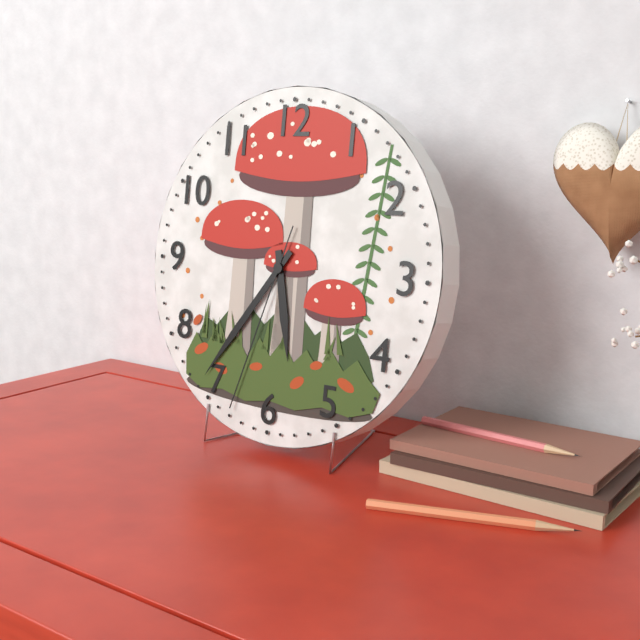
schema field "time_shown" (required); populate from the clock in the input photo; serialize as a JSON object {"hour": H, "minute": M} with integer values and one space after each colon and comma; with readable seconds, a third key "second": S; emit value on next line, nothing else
{"hour": 5, "minute": 36, "second": 33}
